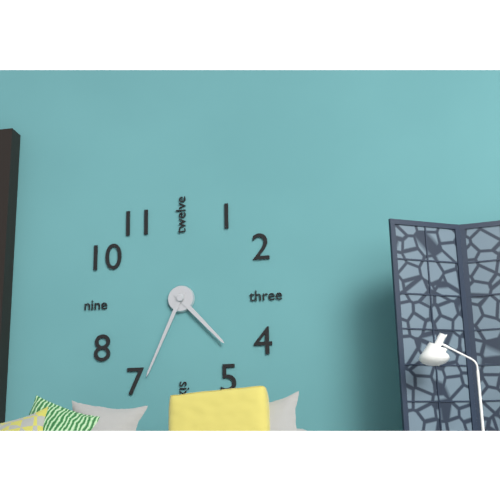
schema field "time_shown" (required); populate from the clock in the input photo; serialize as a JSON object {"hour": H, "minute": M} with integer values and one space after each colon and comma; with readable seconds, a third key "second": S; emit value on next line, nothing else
{"hour": 4, "minute": 34}
